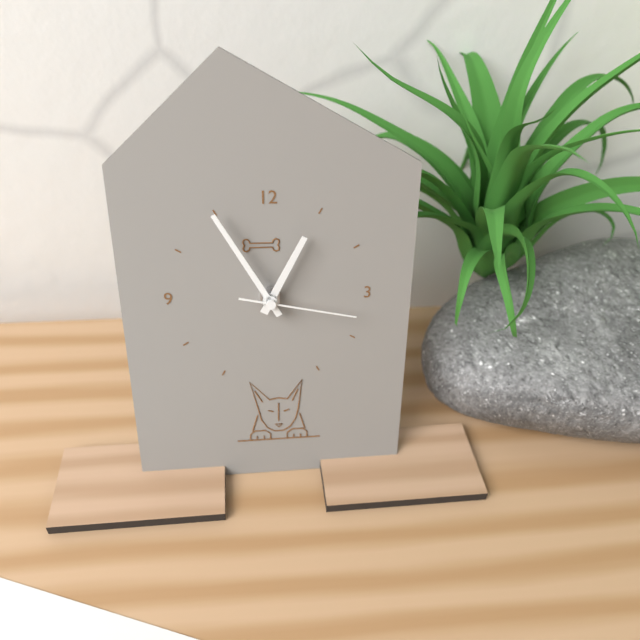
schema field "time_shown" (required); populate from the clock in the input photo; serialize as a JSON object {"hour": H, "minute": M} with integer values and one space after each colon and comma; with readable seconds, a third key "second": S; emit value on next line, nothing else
{"hour": 12, "minute": 55, "second": 17}
